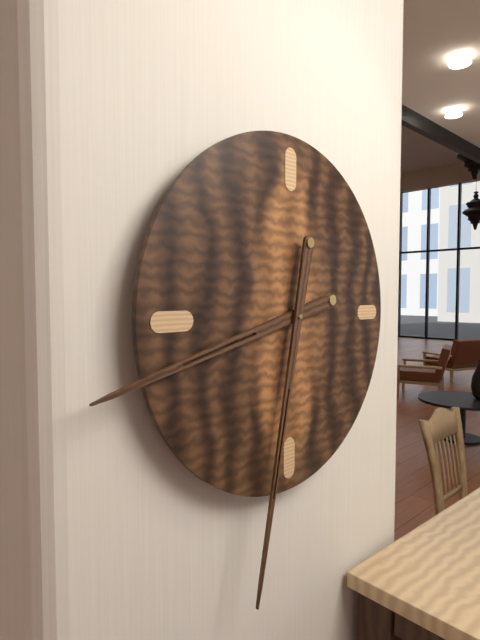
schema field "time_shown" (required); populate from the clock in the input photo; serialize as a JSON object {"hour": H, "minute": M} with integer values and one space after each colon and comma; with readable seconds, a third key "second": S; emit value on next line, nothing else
{"hour": 8, "minute": 32}
